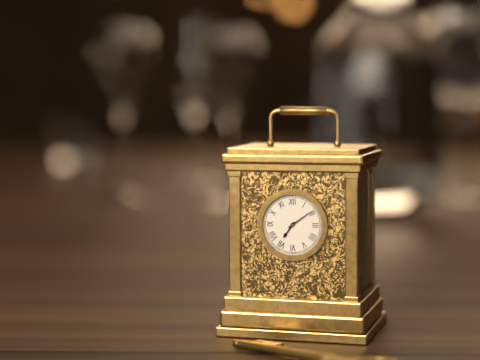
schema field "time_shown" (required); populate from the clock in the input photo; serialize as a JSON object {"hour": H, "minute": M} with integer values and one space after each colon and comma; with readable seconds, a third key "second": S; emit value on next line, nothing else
{"hour": 7, "minute": 9}
